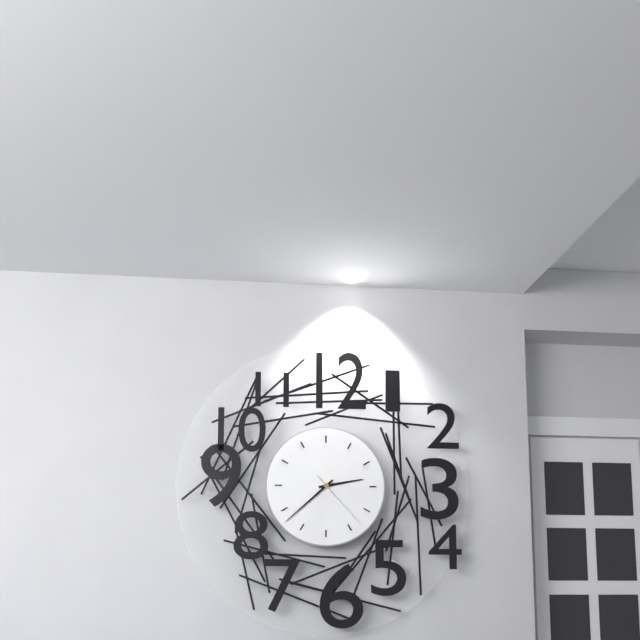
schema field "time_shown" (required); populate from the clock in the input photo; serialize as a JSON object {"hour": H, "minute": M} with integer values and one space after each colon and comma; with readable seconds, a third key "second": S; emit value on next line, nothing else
{"hour": 2, "minute": 38, "second": 23}
